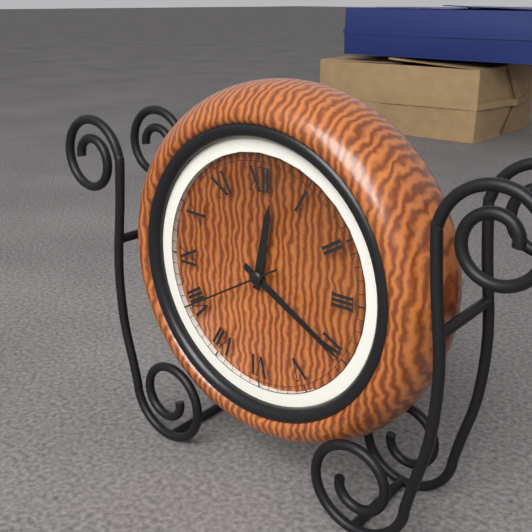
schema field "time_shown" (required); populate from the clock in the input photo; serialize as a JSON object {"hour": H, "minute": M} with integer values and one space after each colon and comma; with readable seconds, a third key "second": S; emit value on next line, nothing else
{"hour": 12, "minute": 20, "second": 40}
